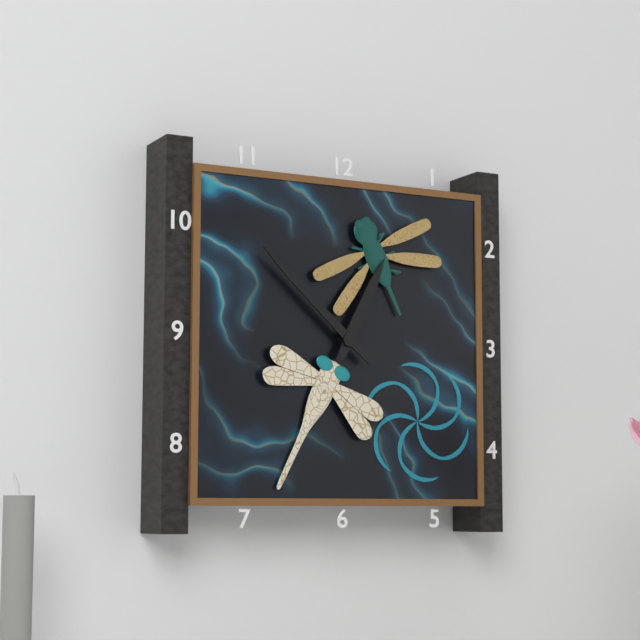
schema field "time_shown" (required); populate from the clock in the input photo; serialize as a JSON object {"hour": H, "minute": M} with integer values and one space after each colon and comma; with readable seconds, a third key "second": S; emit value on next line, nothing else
{"hour": 12, "minute": 52}
